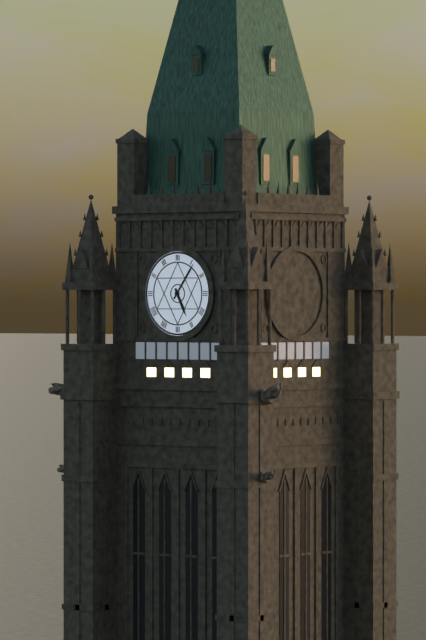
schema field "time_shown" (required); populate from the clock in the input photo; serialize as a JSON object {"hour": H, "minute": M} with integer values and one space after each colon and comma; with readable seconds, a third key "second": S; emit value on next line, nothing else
{"hour": 5, "minute": 6}
